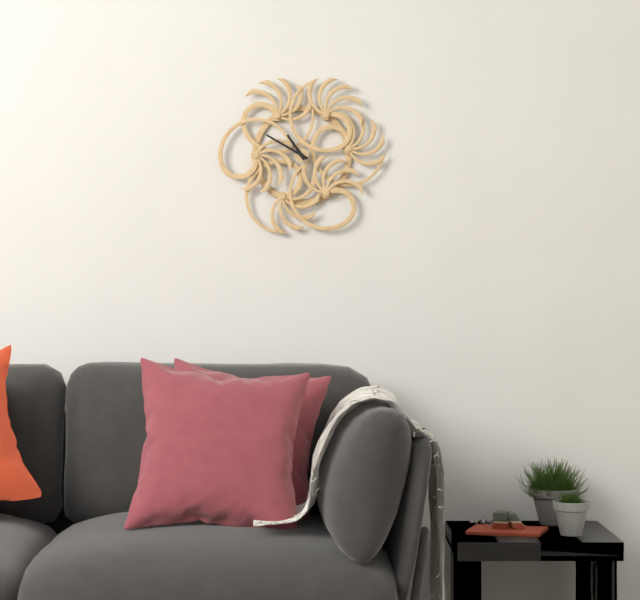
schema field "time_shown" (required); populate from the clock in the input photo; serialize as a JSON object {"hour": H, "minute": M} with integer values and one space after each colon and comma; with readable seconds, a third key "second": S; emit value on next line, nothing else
{"hour": 10, "minute": 50}
